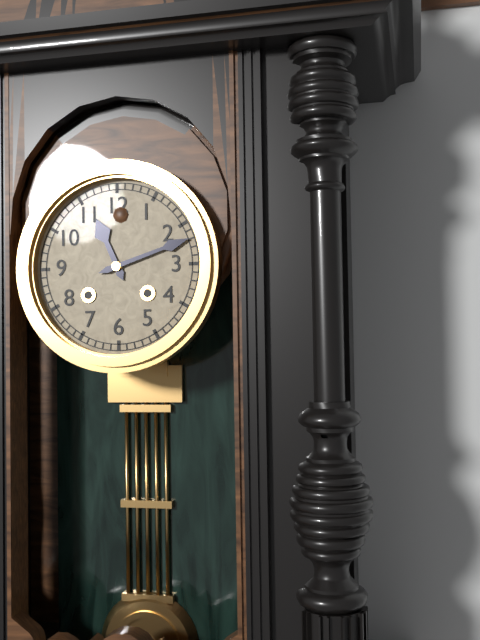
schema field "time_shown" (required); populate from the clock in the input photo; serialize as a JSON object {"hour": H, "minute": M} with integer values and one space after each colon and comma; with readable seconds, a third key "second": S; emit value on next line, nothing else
{"hour": 11, "minute": 12}
